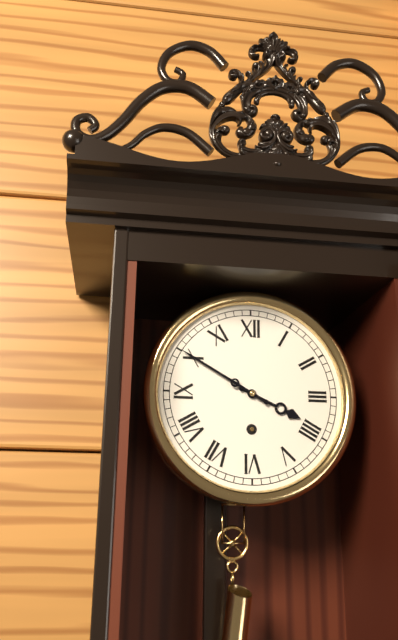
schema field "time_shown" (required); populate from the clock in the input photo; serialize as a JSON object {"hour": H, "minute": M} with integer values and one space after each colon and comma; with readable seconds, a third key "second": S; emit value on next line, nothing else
{"hour": 3, "minute": 50}
